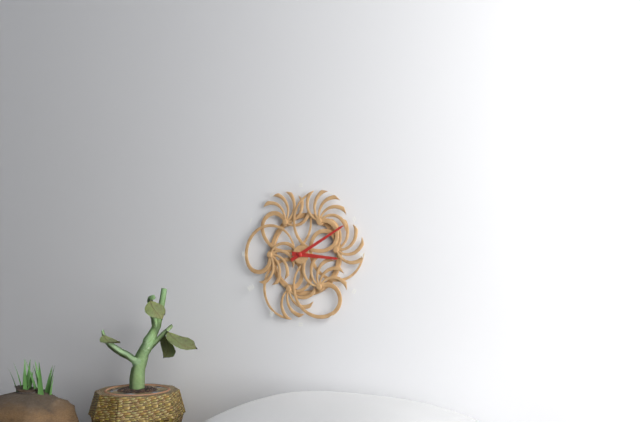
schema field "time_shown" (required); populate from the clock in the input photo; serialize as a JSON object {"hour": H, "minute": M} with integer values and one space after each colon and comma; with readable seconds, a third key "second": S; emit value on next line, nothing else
{"hour": 3, "minute": 10}
